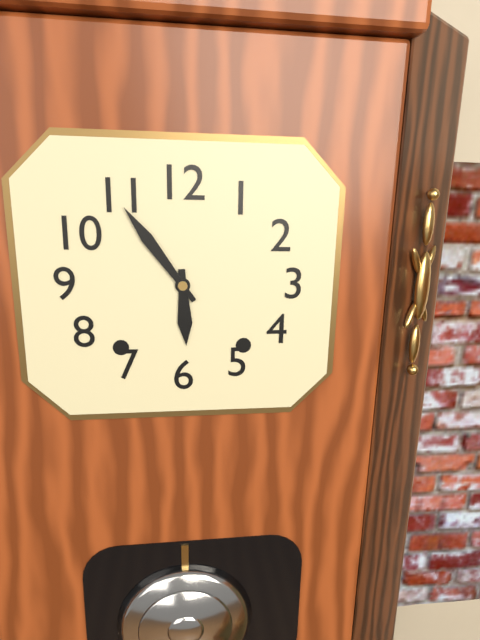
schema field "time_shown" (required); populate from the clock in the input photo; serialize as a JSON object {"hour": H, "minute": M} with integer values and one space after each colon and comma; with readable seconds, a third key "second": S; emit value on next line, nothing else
{"hour": 5, "minute": 54}
